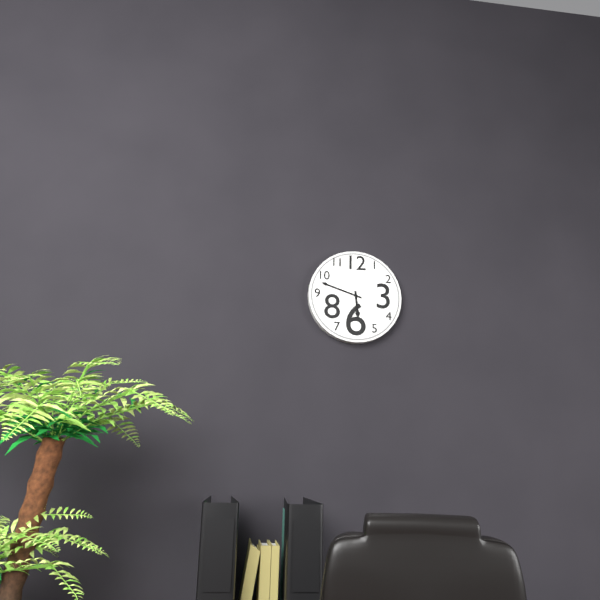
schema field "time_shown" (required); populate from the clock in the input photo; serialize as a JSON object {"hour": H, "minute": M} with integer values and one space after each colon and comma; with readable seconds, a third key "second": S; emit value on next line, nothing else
{"hour": 5, "minute": 48}
